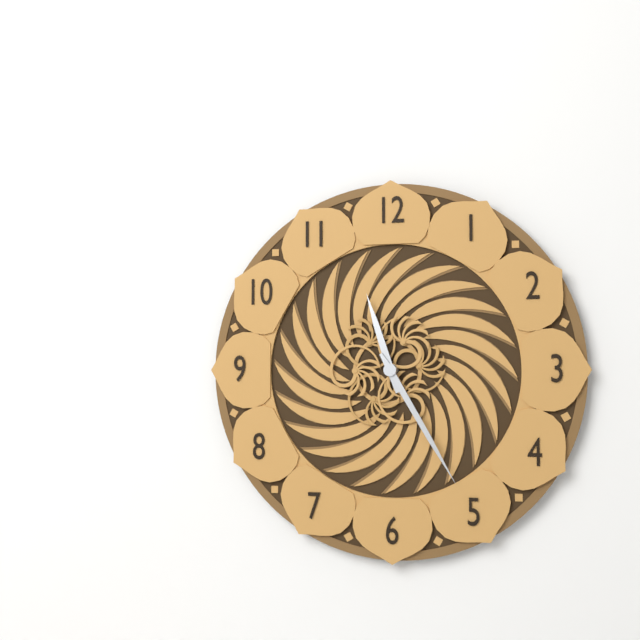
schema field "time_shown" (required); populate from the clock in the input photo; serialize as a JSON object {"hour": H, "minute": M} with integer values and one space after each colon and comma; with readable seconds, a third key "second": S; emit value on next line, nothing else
{"hour": 11, "minute": 25}
